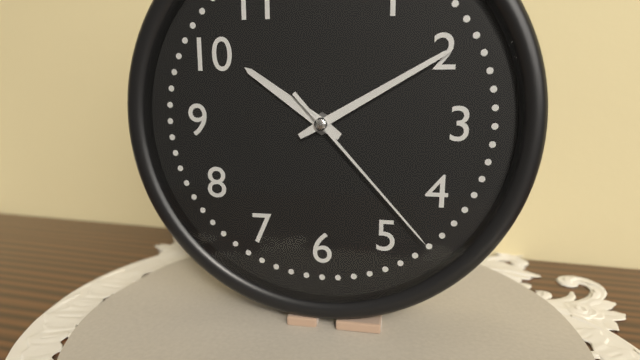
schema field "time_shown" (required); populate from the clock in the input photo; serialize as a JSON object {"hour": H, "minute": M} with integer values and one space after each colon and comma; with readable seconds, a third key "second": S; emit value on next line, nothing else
{"hour": 10, "minute": 10, "second": 23}
